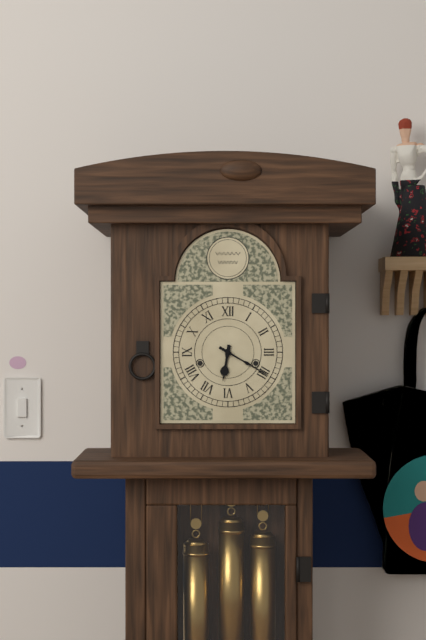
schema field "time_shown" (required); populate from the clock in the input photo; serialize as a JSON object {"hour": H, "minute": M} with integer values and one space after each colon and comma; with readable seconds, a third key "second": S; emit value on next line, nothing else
{"hour": 6, "minute": 20}
